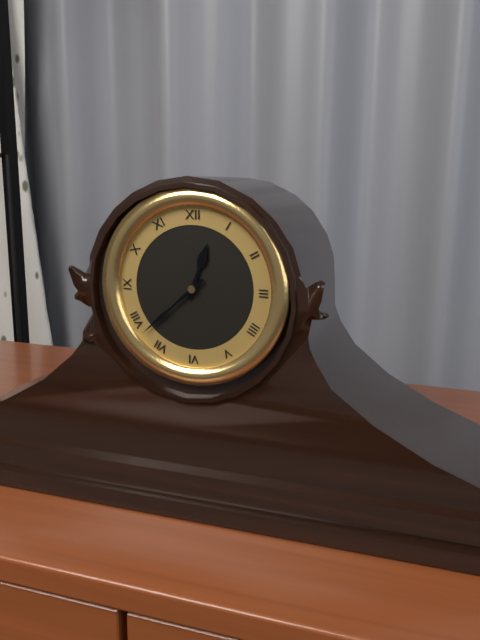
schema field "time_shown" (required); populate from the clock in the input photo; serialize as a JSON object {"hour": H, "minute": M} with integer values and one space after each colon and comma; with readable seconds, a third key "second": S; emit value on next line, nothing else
{"hour": 12, "minute": 38}
